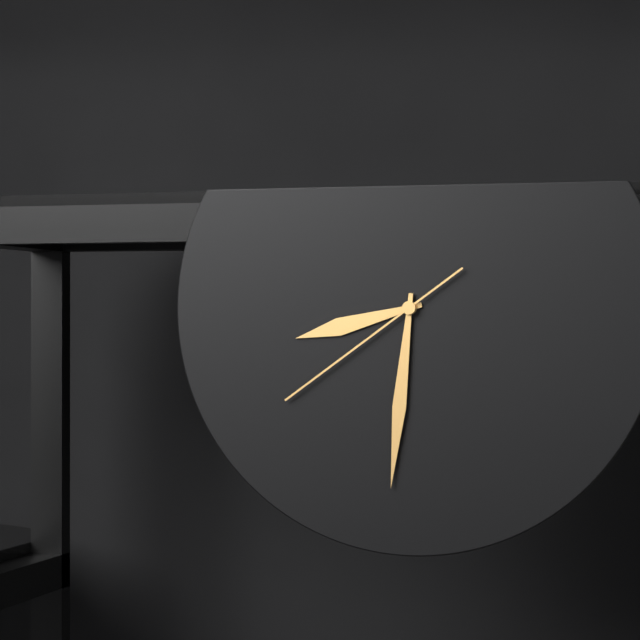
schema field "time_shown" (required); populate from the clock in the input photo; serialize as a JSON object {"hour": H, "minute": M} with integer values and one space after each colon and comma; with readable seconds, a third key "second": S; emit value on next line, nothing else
{"hour": 8, "minute": 31, "second": 39}
